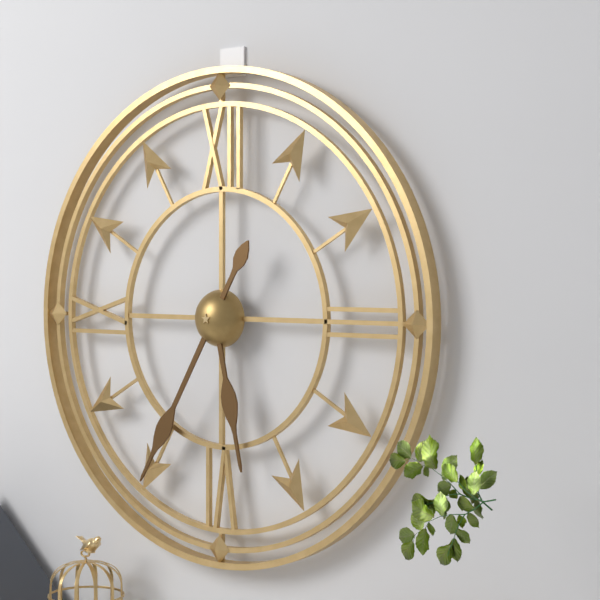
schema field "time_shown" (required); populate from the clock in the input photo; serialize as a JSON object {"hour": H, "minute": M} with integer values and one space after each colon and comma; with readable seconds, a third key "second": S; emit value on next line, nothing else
{"hour": 5, "minute": 35}
